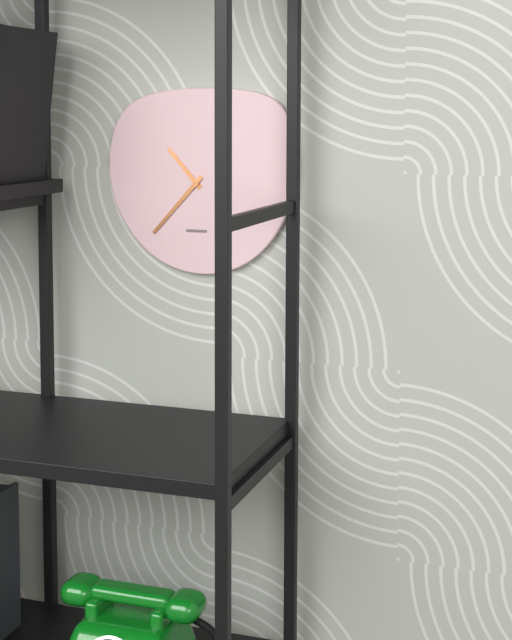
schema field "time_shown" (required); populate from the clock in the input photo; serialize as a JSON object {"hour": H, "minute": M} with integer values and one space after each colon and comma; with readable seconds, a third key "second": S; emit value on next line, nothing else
{"hour": 10, "minute": 37}
